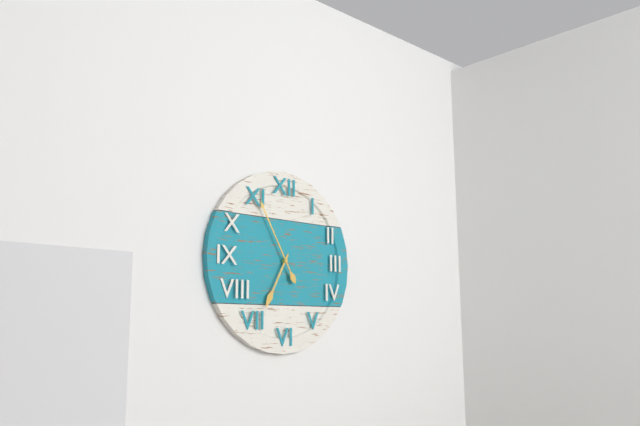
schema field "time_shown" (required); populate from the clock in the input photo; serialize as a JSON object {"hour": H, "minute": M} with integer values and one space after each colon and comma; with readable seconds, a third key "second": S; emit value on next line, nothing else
{"hour": 6, "minute": 55}
